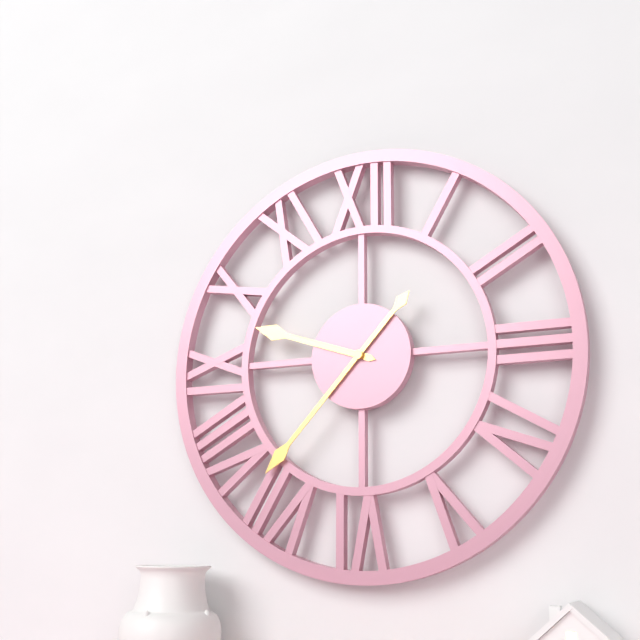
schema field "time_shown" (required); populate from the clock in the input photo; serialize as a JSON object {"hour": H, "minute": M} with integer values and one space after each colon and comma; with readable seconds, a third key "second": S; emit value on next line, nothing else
{"hour": 9, "minute": 37}
